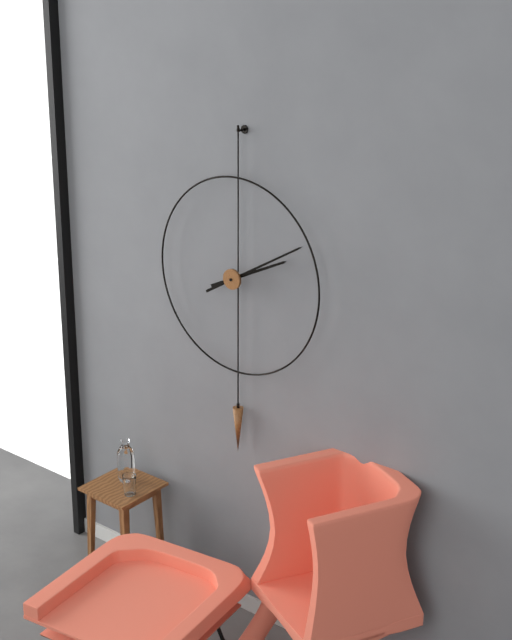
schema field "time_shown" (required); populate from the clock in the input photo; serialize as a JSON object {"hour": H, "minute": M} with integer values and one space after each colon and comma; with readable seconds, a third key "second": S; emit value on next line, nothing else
{"hour": 2, "minute": 10}
